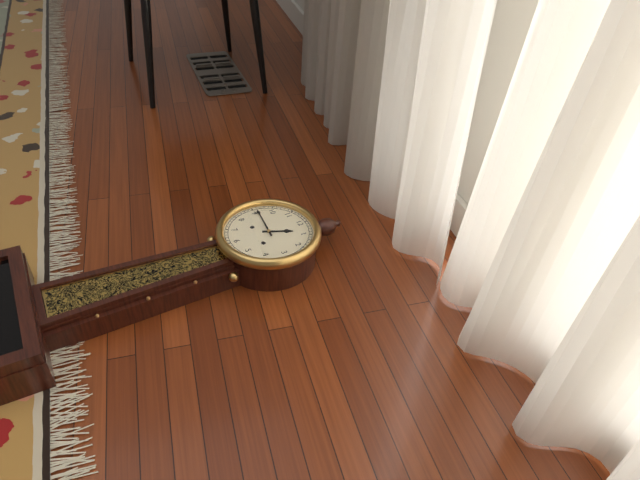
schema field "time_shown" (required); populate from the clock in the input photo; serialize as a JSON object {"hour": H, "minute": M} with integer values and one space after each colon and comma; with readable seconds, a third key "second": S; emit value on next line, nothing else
{"hour": 12, "minute": 46}
